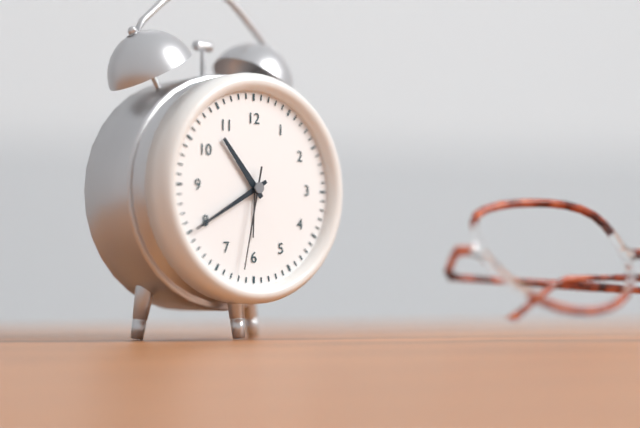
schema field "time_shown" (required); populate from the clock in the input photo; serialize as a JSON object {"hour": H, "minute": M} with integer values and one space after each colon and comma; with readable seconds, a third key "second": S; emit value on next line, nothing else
{"hour": 10, "minute": 40, "second": 32}
